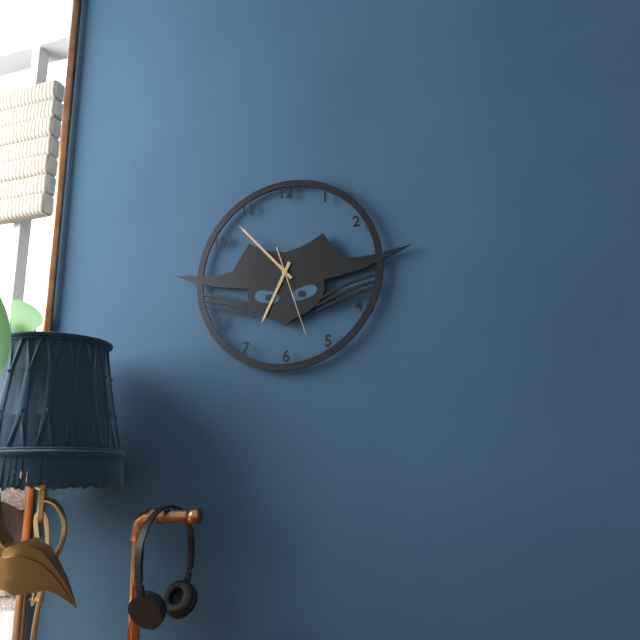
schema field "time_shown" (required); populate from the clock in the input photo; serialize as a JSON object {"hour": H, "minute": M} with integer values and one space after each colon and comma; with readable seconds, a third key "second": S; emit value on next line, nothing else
{"hour": 6, "minute": 53, "second": 27}
